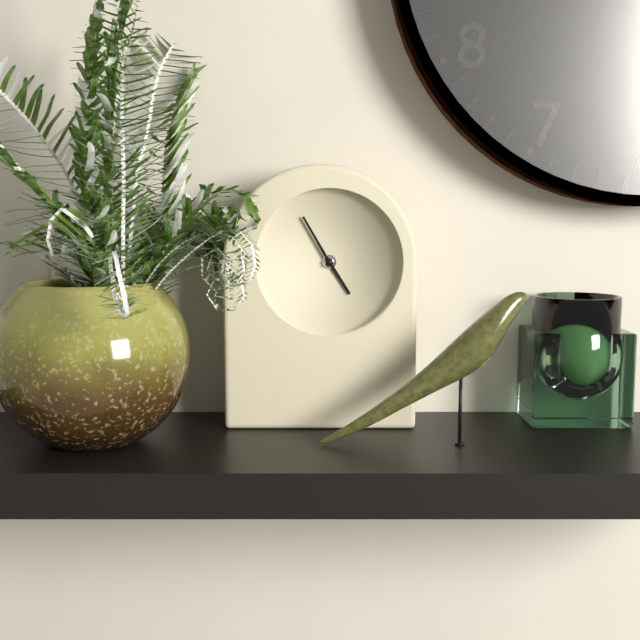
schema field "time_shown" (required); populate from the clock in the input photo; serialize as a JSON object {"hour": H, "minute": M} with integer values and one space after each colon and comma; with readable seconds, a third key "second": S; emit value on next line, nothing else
{"hour": 4, "minute": 55}
